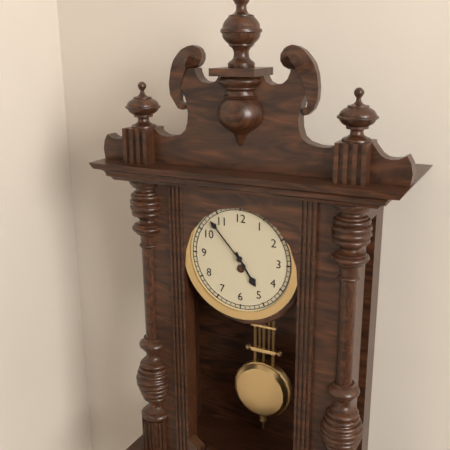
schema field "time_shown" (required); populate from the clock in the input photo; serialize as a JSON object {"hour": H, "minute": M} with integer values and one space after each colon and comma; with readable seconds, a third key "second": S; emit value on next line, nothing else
{"hour": 4, "minute": 53}
